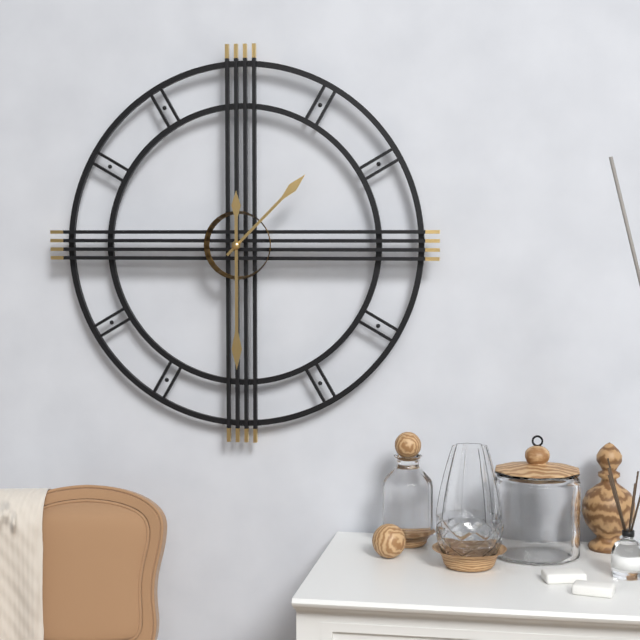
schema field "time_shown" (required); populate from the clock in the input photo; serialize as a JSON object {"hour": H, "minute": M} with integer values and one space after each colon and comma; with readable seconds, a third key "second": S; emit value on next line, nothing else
{"hour": 1, "minute": 30}
